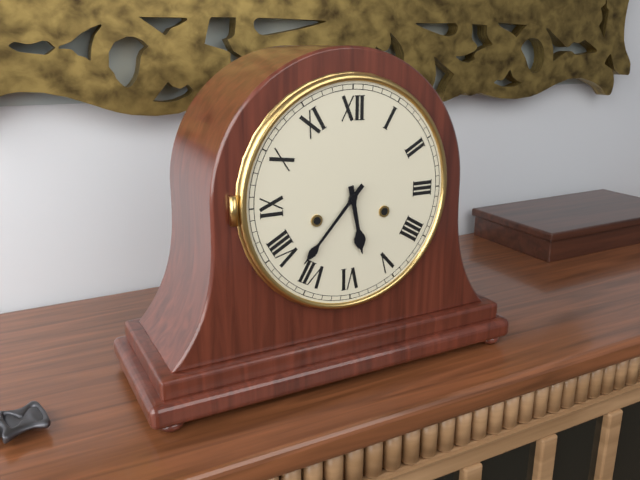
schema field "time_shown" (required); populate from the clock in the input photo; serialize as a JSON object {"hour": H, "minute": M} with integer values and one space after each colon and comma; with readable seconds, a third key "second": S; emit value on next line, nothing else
{"hour": 5, "minute": 37}
